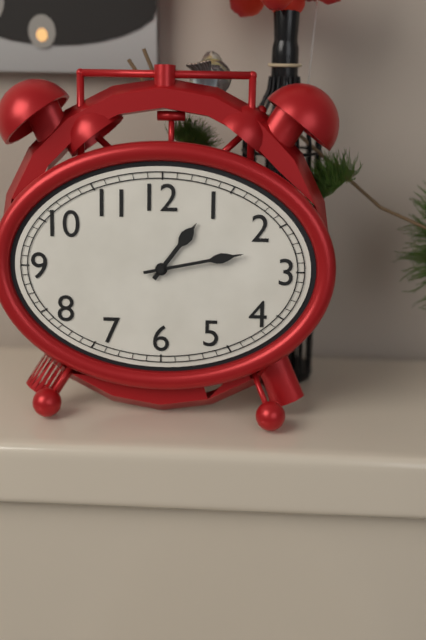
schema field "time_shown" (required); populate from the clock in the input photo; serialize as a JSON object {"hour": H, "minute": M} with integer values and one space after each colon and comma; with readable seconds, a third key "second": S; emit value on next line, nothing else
{"hour": 1, "minute": 13}
